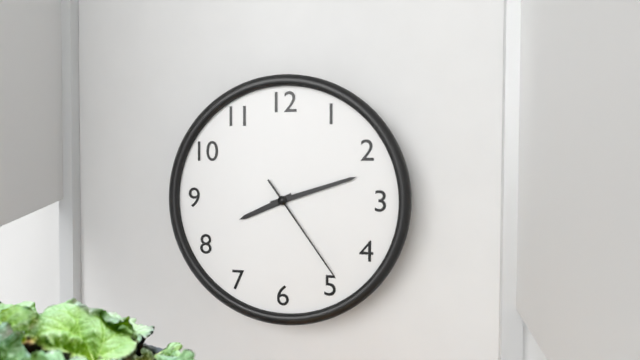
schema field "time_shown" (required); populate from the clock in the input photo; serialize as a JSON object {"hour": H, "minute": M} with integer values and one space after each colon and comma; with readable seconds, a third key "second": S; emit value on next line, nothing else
{"hour": 8, "minute": 12, "second": 24}
